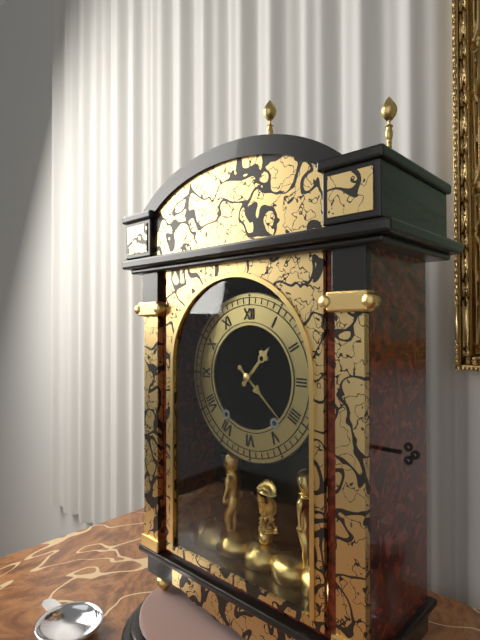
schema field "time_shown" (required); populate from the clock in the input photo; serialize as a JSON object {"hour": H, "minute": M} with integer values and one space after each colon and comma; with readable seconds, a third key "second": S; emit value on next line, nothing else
{"hour": 1, "minute": 22}
